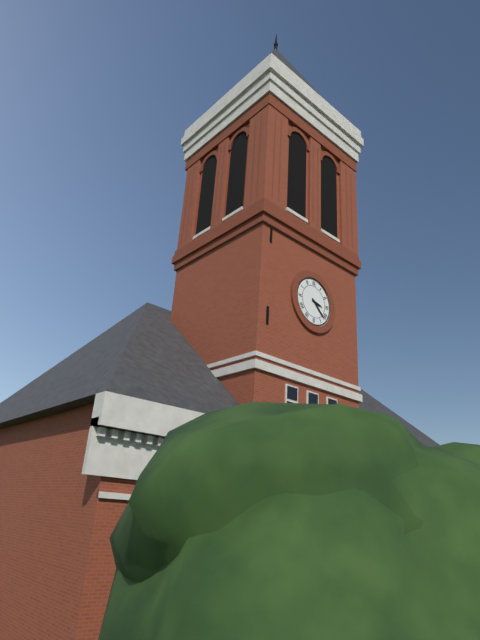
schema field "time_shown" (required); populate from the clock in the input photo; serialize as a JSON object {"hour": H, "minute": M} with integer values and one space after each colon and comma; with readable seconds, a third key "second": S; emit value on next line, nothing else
{"hour": 3, "minute": 22}
